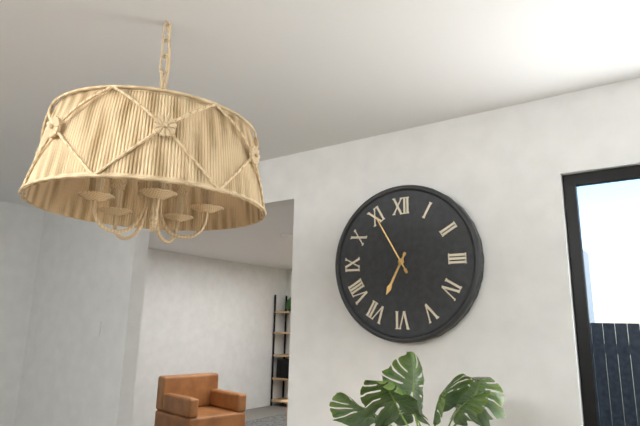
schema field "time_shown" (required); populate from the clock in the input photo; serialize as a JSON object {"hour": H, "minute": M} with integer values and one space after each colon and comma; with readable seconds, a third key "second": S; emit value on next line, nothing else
{"hour": 6, "minute": 55}
